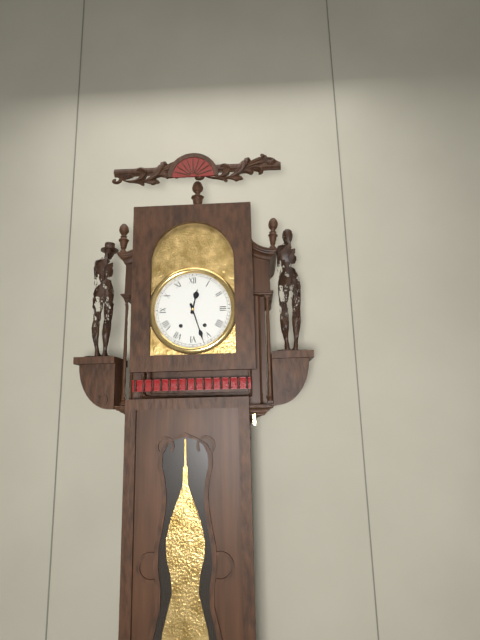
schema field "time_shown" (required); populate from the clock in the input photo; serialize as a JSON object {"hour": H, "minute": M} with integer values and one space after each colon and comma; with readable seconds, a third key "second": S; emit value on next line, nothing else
{"hour": 12, "minute": 27}
